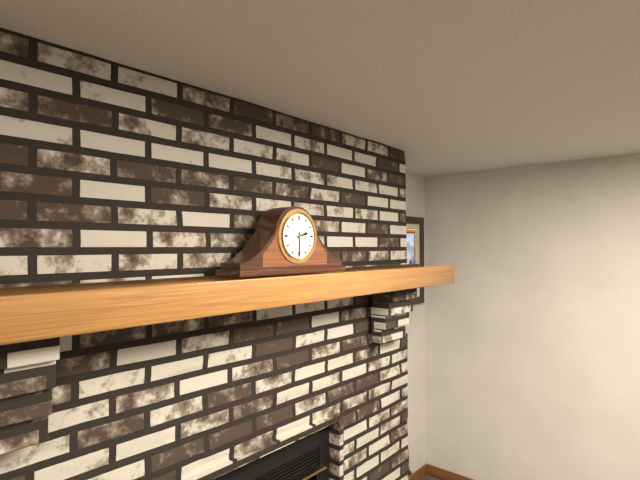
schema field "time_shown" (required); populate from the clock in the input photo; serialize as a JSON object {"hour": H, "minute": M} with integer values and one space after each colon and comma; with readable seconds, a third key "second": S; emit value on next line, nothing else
{"hour": 2, "minute": 30}
